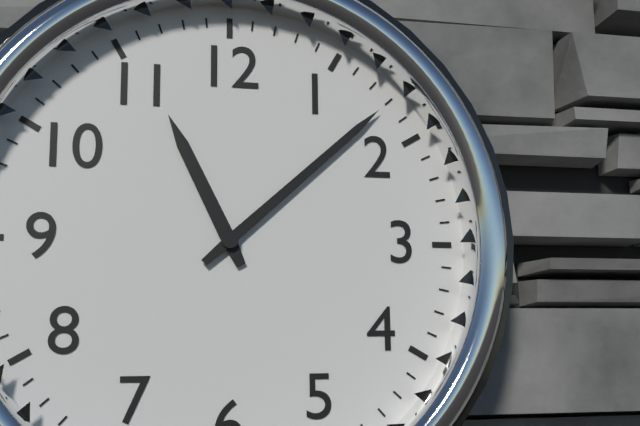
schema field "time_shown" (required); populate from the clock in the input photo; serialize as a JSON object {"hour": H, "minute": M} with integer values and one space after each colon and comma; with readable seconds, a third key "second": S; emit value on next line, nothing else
{"hour": 11, "minute": 8}
